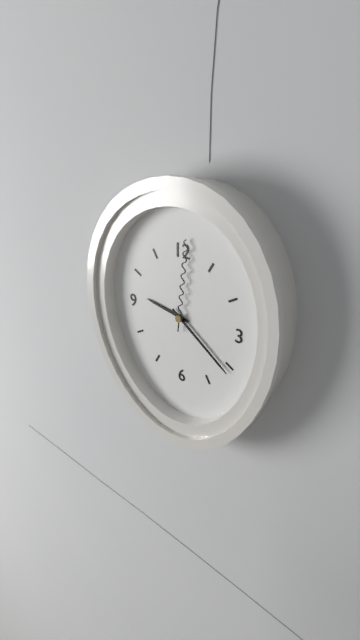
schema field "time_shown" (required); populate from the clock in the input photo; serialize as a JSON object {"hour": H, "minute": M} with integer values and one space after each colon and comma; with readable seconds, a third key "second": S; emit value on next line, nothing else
{"hour": 9, "minute": 21, "second": 1}
